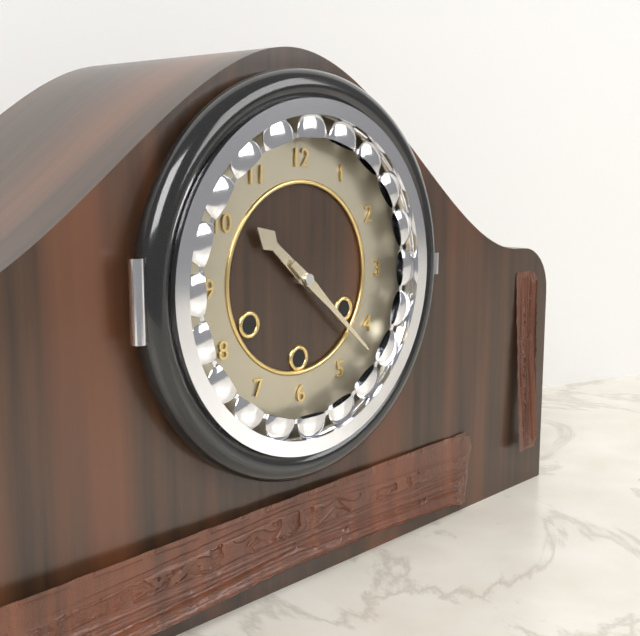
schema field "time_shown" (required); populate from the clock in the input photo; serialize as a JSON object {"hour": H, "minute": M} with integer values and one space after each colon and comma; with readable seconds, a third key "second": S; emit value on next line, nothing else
{"hour": 10, "minute": 22}
